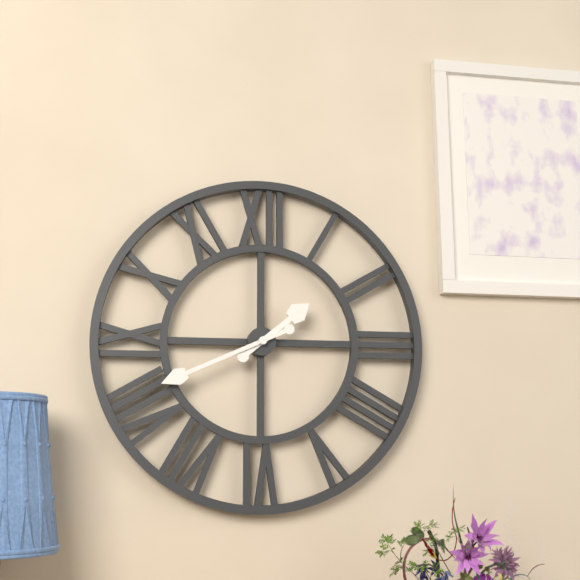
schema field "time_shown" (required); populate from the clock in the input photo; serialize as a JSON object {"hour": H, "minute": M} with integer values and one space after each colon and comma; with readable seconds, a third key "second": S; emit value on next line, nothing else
{"hour": 1, "minute": 41}
